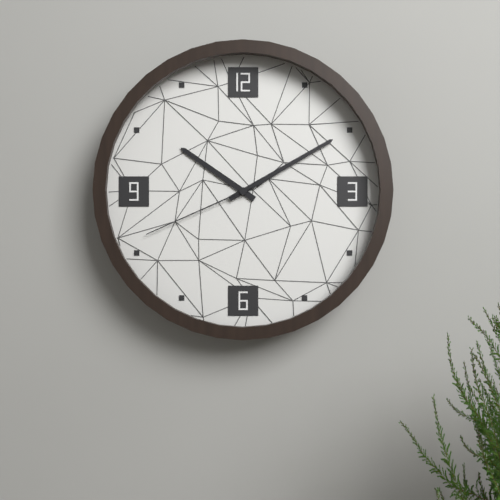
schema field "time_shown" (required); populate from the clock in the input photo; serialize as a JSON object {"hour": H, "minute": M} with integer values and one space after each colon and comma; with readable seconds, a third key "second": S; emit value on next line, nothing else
{"hour": 10, "minute": 10, "second": 41}
